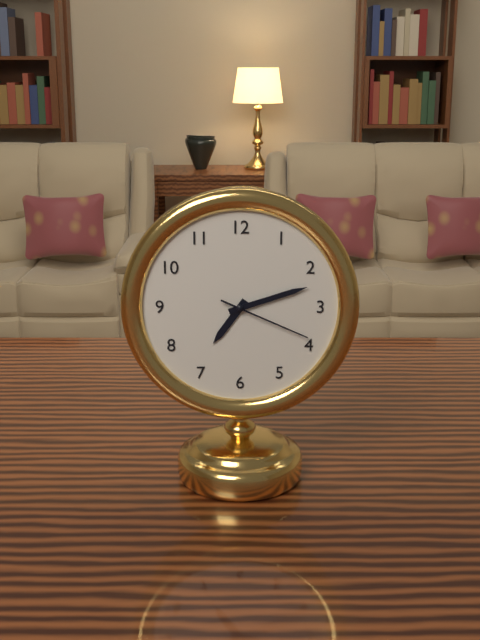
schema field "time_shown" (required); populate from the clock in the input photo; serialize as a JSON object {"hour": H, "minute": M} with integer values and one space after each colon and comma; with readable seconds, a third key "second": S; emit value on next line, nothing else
{"hour": 7, "minute": 12, "second": 19}
